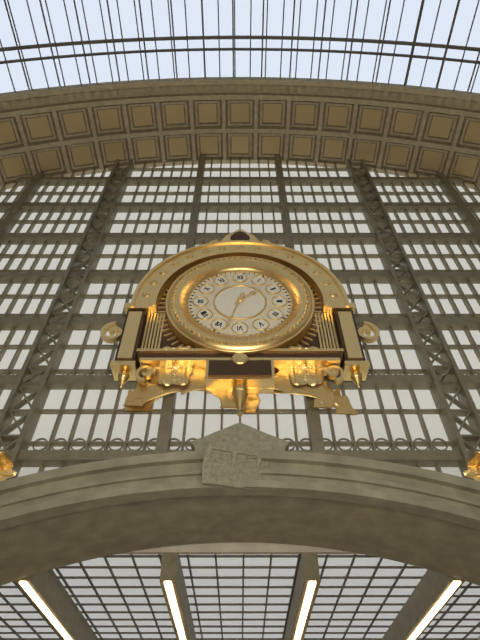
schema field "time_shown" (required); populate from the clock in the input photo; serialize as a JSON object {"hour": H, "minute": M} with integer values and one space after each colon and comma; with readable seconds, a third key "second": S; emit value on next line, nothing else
{"hour": 1, "minute": 33}
